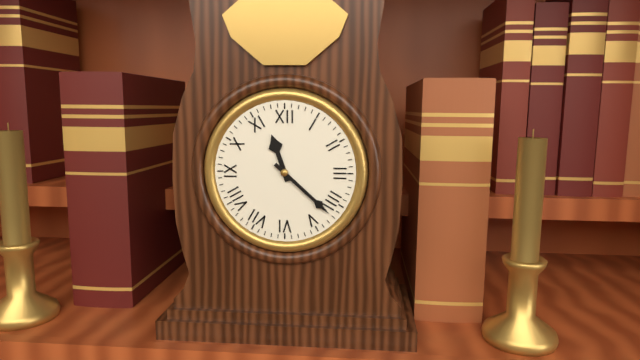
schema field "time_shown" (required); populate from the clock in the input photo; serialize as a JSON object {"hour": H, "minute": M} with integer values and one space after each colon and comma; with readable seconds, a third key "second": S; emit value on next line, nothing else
{"hour": 11, "minute": 22}
